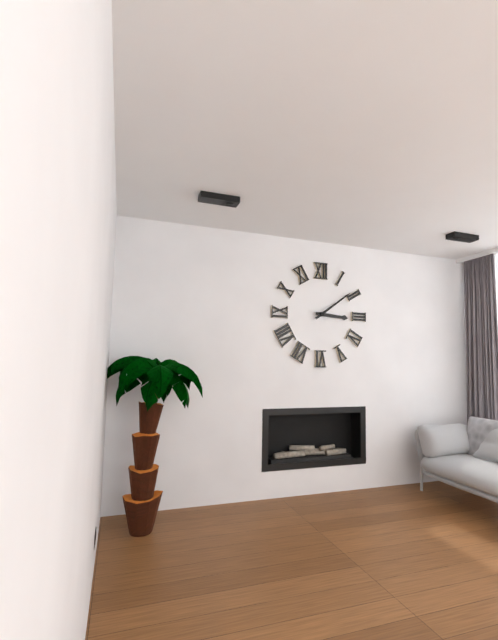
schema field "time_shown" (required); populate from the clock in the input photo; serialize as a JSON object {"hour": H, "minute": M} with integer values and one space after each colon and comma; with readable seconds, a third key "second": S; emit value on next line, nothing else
{"hour": 3, "minute": 9}
